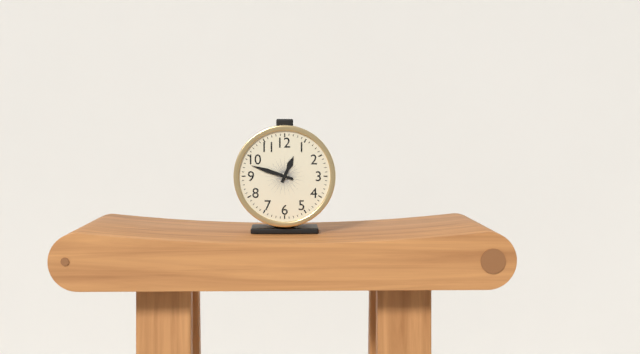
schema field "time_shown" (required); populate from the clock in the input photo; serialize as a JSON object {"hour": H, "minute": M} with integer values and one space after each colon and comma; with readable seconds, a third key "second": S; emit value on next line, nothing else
{"hour": 12, "minute": 48}
